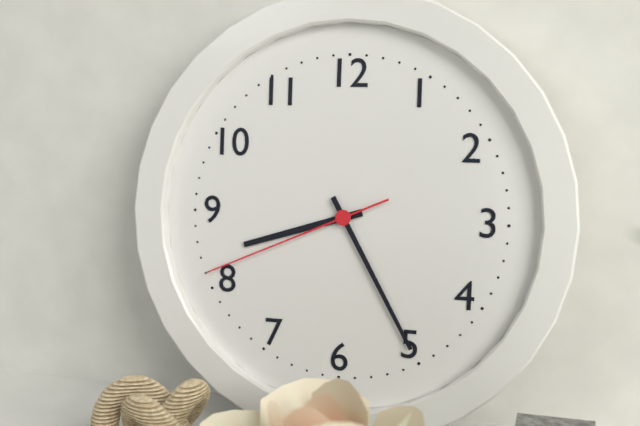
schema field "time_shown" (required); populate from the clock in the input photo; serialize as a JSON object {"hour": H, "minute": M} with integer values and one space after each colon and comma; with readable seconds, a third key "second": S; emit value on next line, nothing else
{"hour": 8, "minute": 25, "second": 41}
